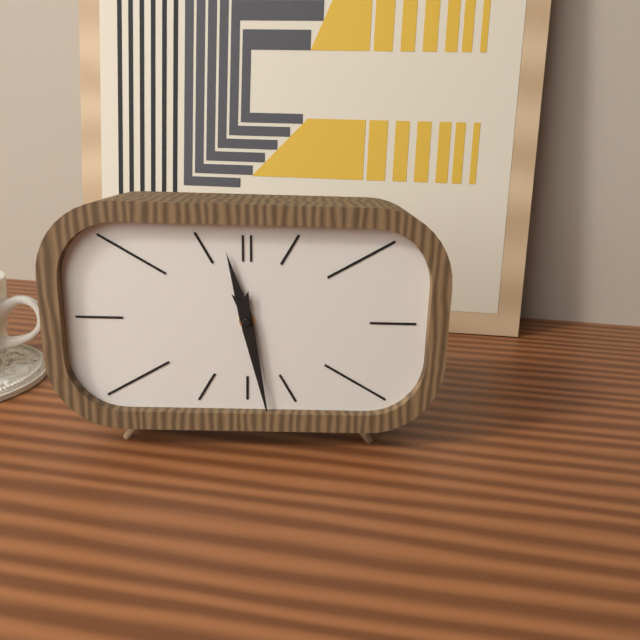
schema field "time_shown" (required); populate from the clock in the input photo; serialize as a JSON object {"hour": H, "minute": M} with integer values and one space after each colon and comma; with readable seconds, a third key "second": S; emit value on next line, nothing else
{"hour": 11, "minute": 28}
